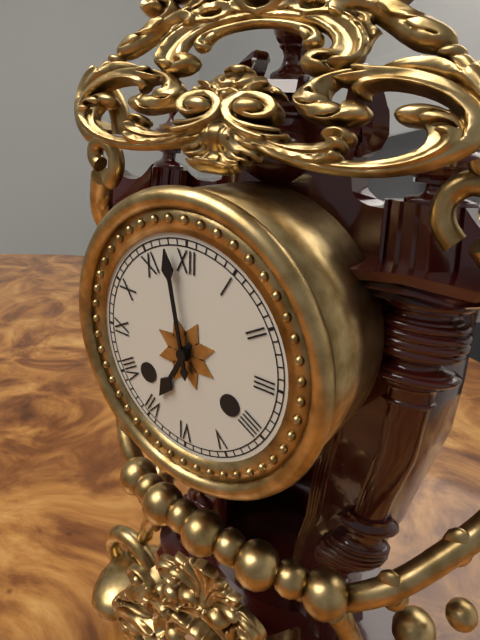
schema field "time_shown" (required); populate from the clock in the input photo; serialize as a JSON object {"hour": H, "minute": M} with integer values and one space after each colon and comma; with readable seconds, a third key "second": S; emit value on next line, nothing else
{"hour": 6, "minute": 58}
